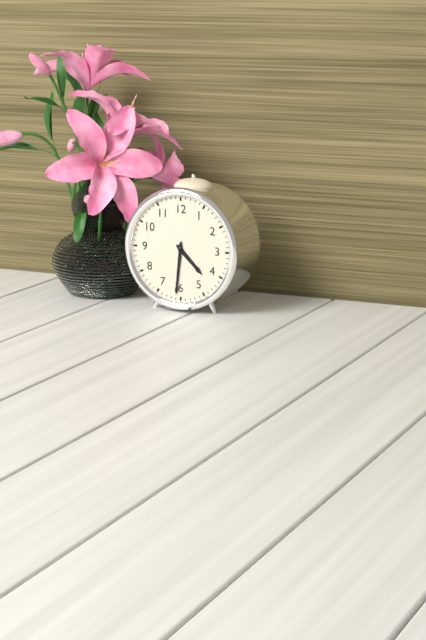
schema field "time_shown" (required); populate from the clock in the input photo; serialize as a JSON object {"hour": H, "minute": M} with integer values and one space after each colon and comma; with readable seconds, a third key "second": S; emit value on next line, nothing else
{"hour": 4, "minute": 31}
